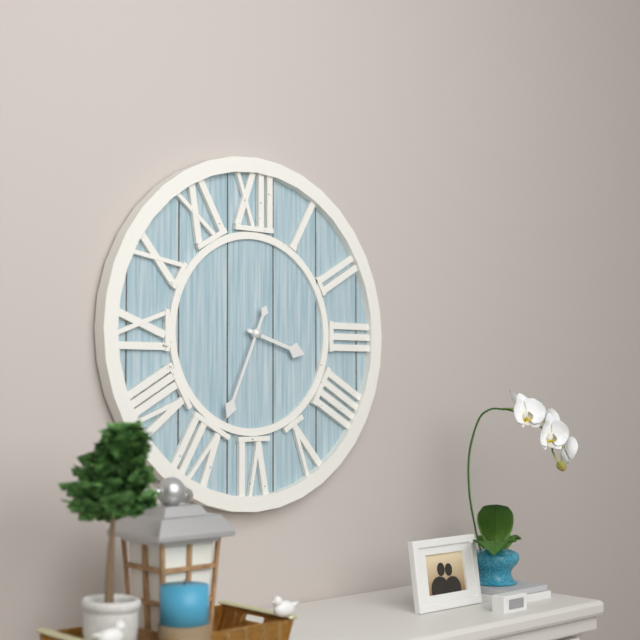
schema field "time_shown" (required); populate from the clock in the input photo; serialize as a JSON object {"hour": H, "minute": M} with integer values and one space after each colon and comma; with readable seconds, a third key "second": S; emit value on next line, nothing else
{"hour": 3, "minute": 34}
